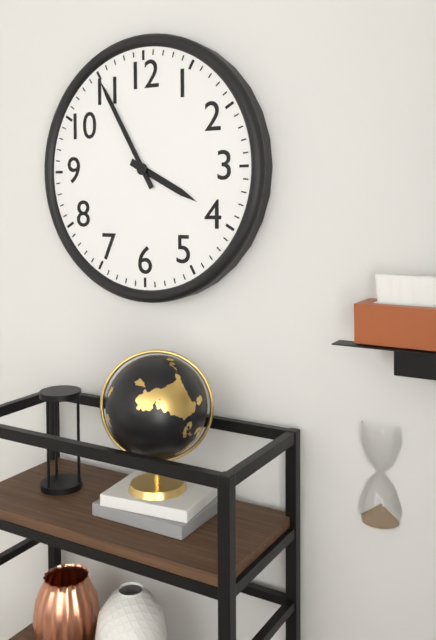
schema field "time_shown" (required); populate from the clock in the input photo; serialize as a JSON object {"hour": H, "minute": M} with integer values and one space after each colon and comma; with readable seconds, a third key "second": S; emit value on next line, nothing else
{"hour": 3, "minute": 55}
